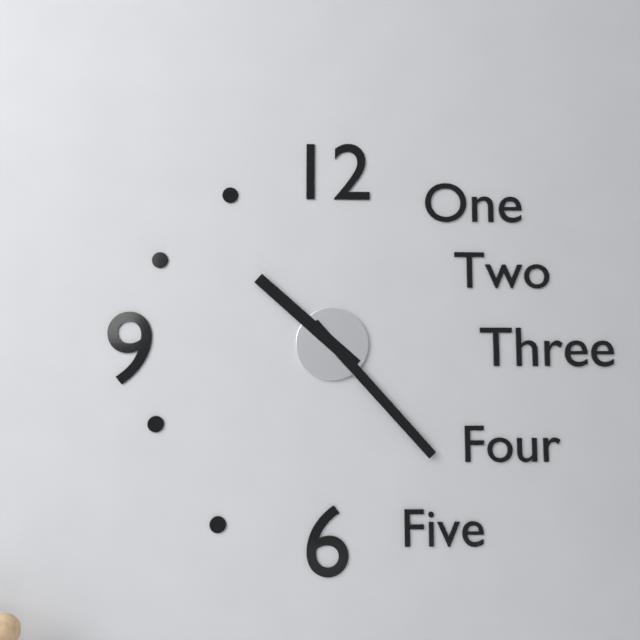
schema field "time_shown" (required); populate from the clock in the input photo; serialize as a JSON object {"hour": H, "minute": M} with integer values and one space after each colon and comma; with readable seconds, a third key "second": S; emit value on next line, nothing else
{"hour": 10, "minute": 23}
